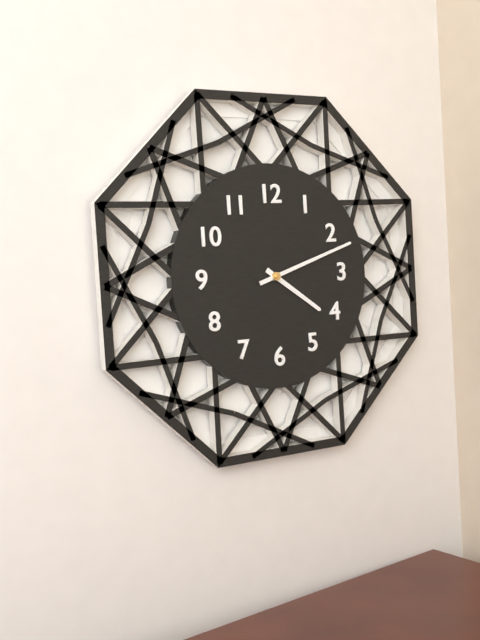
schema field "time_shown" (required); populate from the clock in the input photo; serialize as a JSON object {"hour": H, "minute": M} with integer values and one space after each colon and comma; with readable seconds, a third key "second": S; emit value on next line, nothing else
{"hour": 4, "minute": 12}
